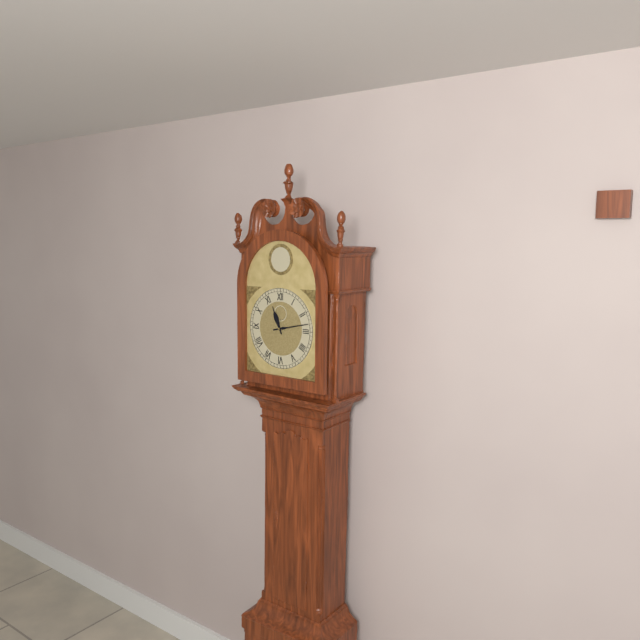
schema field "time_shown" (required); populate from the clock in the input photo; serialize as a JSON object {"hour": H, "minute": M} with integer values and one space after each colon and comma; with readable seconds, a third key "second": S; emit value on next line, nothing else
{"hour": 11, "minute": 13}
